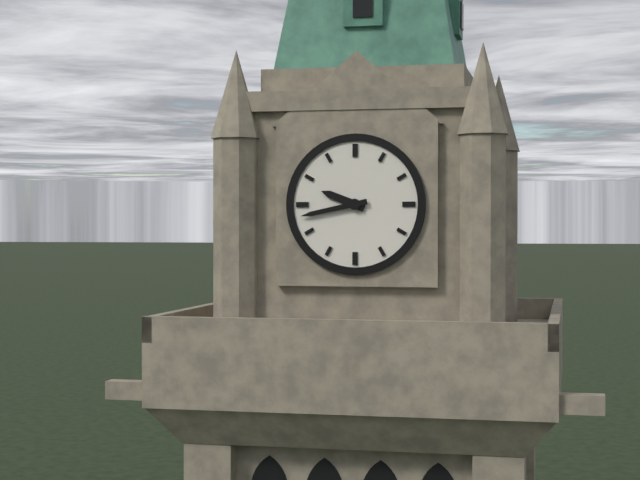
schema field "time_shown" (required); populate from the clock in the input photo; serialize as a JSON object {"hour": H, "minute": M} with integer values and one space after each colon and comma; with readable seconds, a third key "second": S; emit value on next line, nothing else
{"hour": 9, "minute": 43}
